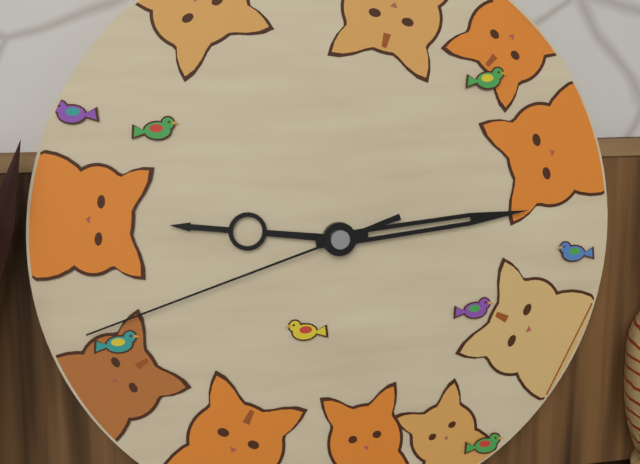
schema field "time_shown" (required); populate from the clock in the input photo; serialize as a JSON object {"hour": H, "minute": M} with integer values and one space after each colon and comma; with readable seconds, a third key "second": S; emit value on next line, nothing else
{"hour": 9, "minute": 14, "second": 42}
